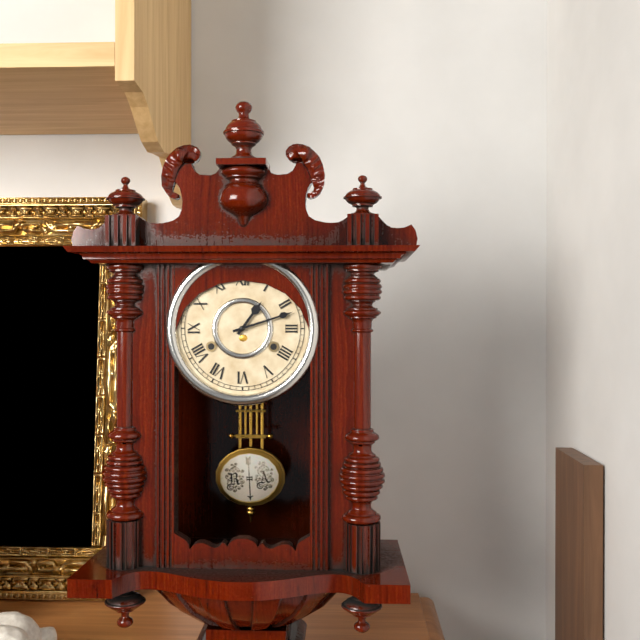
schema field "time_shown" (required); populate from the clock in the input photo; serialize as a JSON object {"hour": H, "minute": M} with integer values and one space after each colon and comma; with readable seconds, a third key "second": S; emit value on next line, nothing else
{"hour": 1, "minute": 12}
